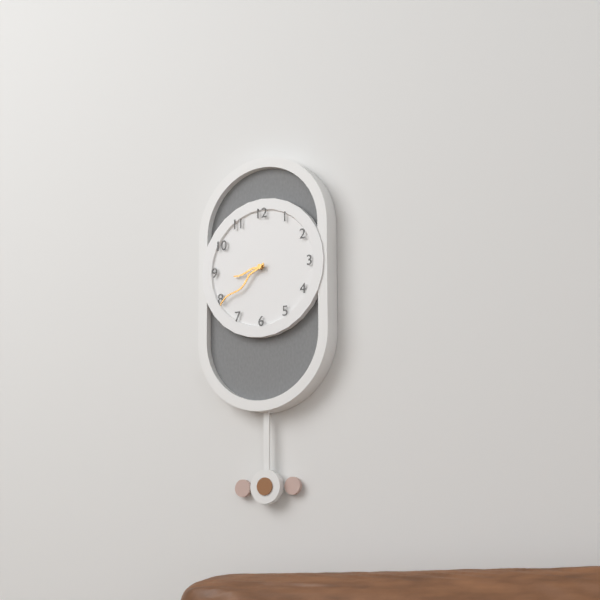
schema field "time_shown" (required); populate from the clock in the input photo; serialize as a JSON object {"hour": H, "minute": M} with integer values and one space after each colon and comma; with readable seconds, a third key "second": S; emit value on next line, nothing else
{"hour": 8, "minute": 39}
